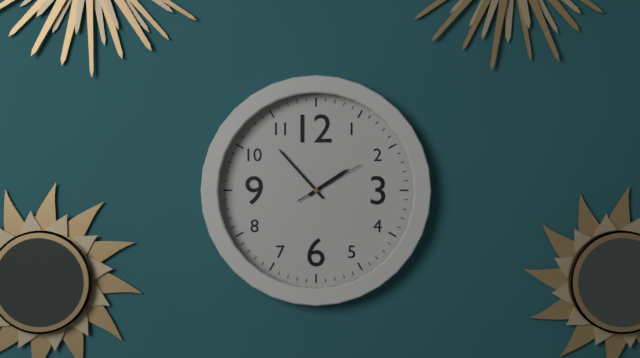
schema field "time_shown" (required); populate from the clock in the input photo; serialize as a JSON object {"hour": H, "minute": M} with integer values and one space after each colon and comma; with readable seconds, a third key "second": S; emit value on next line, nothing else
{"hour": 1, "minute": 53, "second": 10}
